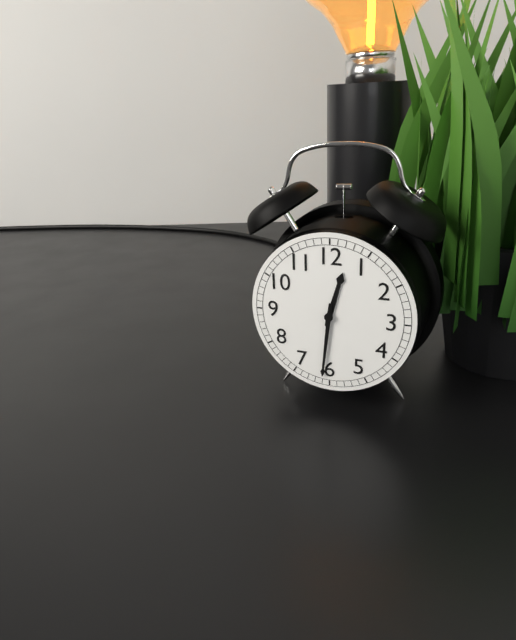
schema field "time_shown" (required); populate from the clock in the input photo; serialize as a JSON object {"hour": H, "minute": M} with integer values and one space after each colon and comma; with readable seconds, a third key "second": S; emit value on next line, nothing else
{"hour": 12, "minute": 31}
